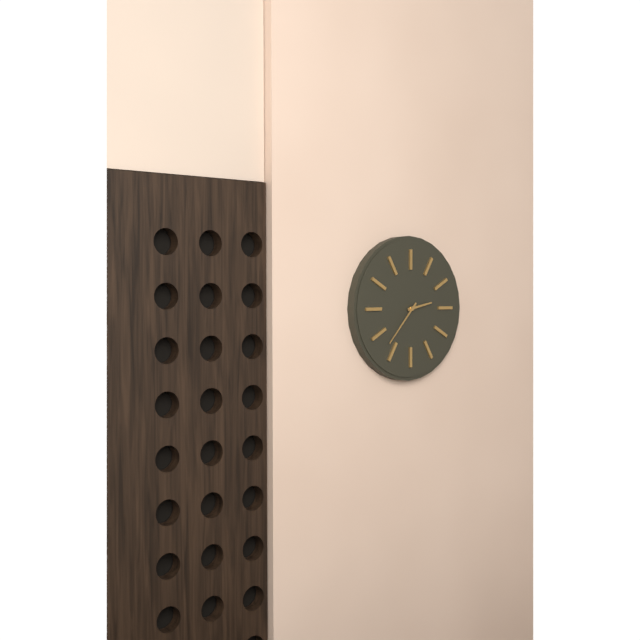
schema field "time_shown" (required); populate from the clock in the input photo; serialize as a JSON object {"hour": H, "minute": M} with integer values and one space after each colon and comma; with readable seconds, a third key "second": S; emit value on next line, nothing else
{"hour": 2, "minute": 37}
